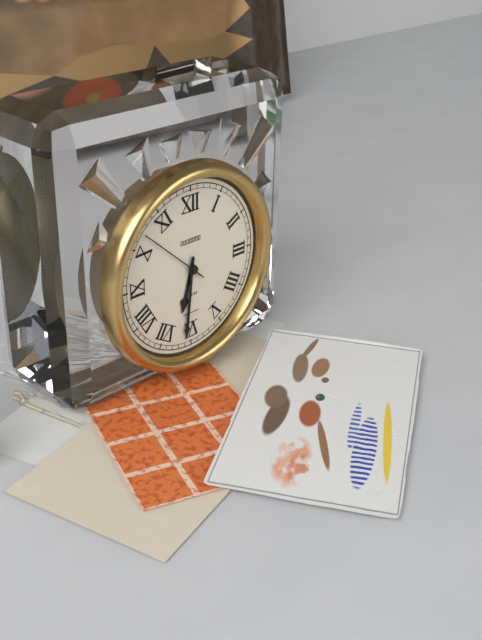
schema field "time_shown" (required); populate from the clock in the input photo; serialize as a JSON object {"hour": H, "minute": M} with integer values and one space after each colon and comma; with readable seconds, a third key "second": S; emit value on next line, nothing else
{"hour": 6, "minute": 31, "second": 52}
